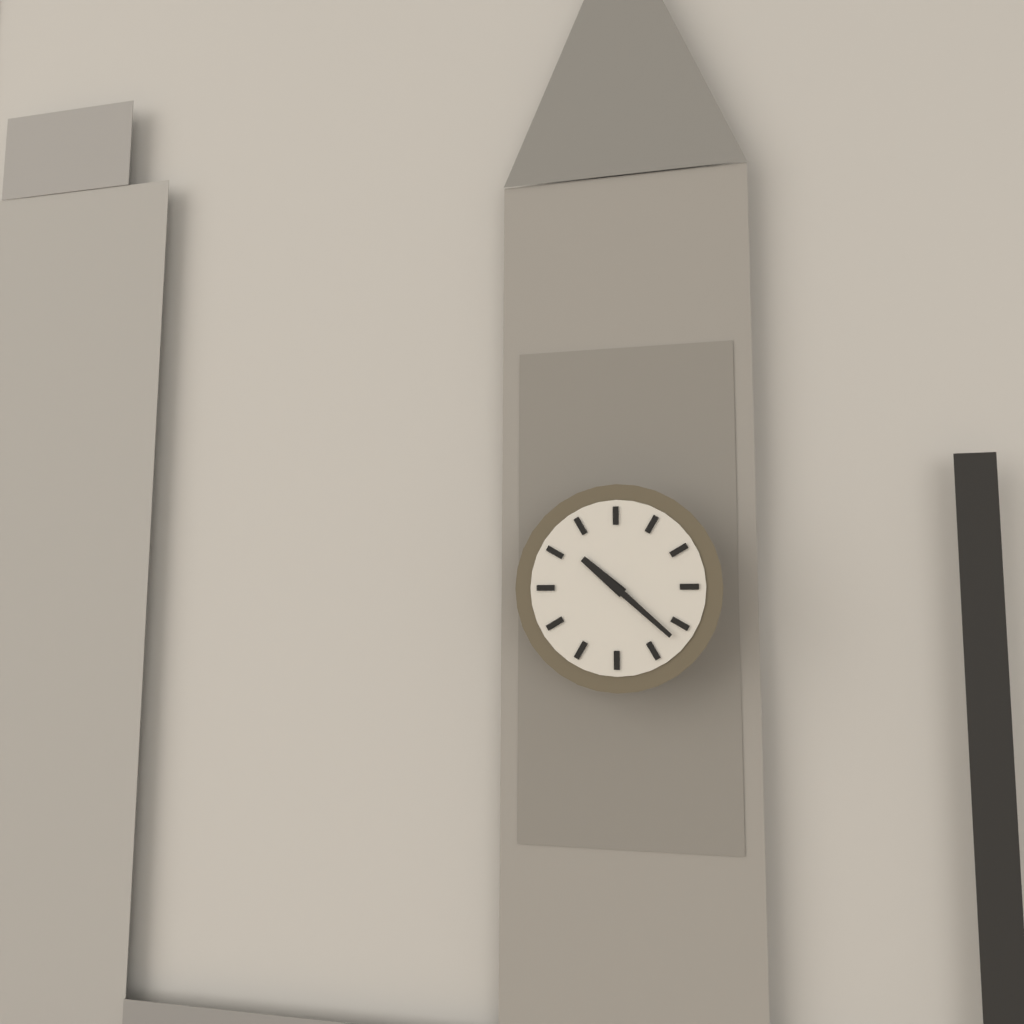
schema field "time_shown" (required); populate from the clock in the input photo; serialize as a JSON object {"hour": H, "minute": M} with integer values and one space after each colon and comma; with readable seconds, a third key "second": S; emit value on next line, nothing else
{"hour": 10, "minute": 22}
